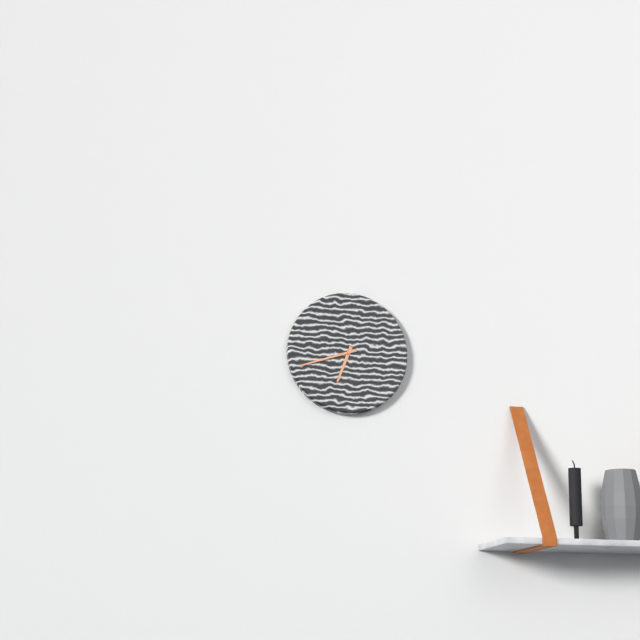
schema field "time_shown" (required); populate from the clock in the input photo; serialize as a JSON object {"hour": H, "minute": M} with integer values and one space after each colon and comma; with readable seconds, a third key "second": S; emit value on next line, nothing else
{"hour": 6, "minute": 42}
